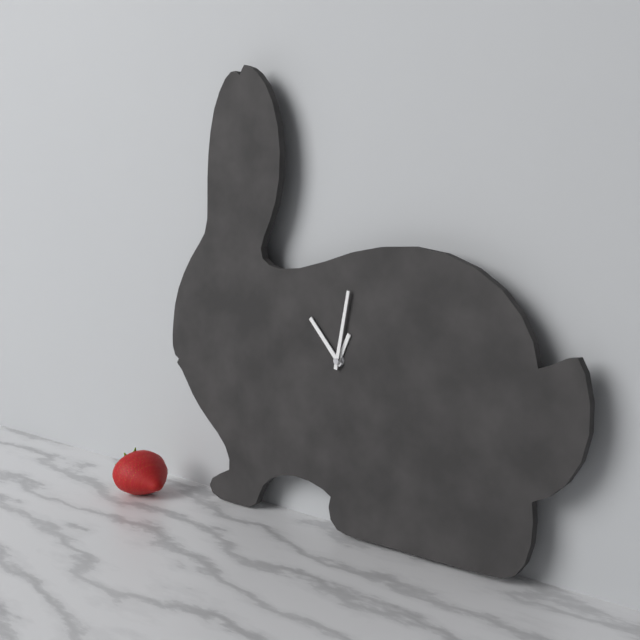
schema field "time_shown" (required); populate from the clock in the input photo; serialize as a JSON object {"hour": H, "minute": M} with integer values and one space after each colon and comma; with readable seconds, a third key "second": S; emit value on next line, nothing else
{"hour": 12, "minute": 53, "second": 2}
